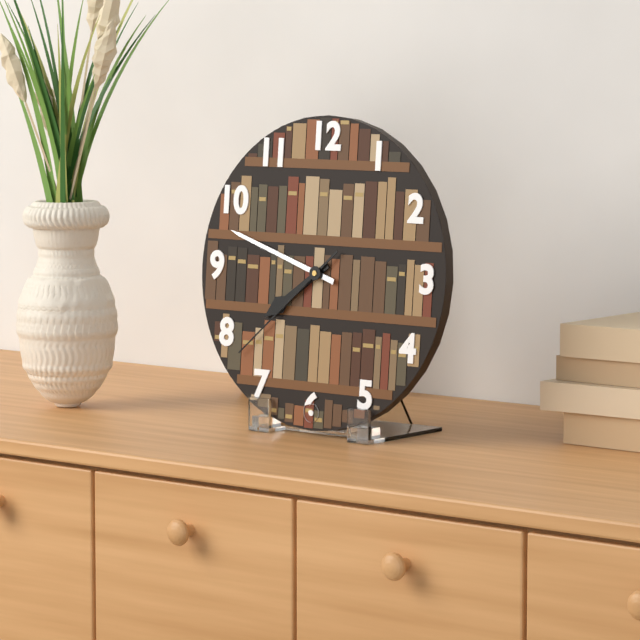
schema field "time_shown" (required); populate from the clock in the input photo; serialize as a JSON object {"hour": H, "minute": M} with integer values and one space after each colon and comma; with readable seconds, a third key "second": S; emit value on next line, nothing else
{"hour": 7, "minute": 48, "second": 38}
